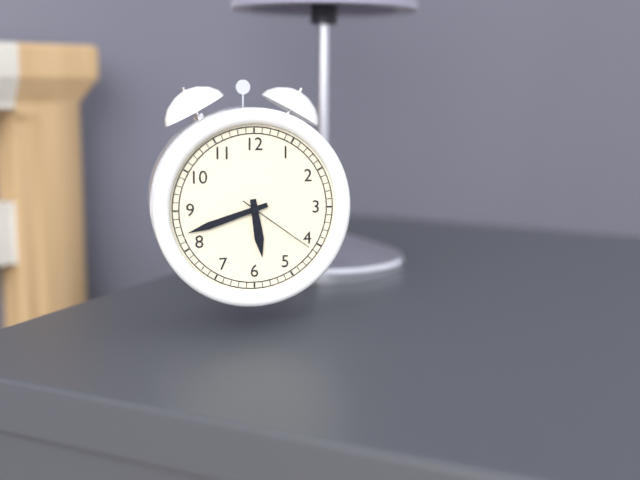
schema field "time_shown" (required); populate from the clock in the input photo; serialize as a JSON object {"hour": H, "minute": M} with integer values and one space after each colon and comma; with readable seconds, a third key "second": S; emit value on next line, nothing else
{"hour": 5, "minute": 42, "second": 21}
